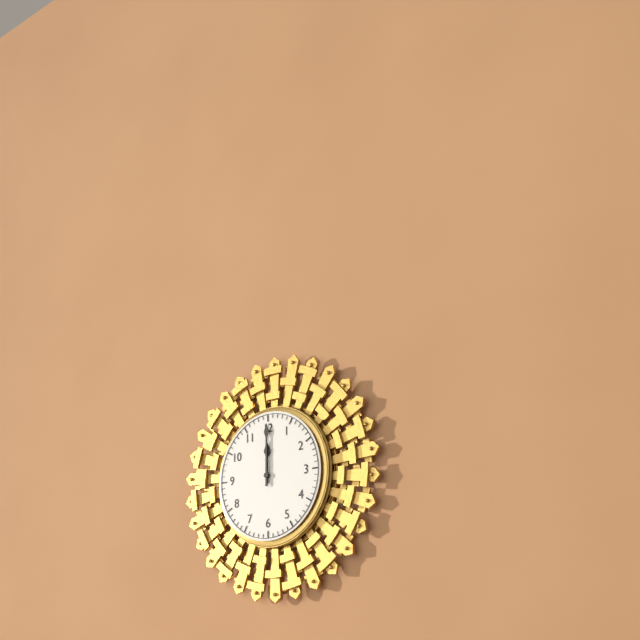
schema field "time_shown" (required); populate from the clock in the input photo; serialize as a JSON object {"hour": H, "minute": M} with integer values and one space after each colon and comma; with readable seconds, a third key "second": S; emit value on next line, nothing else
{"hour": 12, "minute": 0}
